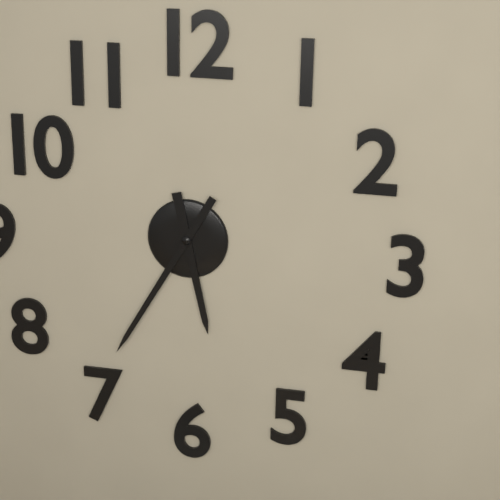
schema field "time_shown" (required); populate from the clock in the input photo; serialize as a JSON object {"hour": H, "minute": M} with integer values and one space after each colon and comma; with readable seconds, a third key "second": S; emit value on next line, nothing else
{"hour": 5, "minute": 35}
